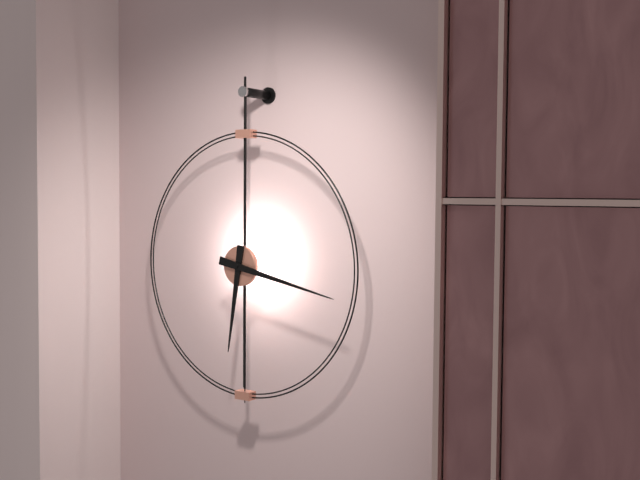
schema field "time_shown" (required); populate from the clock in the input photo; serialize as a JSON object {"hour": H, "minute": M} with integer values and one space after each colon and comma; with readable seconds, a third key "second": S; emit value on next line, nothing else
{"hour": 6, "minute": 17}
